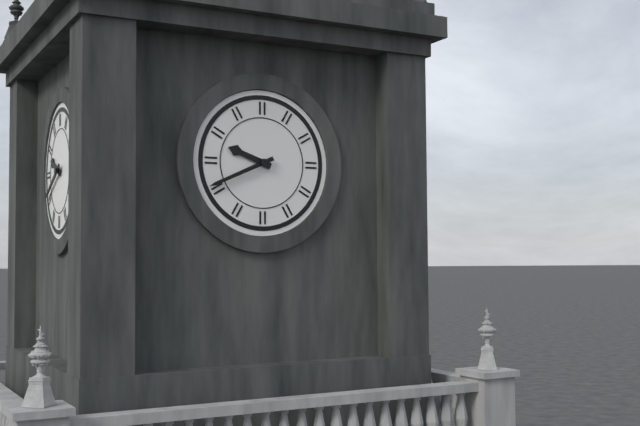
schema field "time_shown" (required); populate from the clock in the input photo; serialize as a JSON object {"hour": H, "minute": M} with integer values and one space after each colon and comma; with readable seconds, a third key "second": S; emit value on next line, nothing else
{"hour": 9, "minute": 41}
